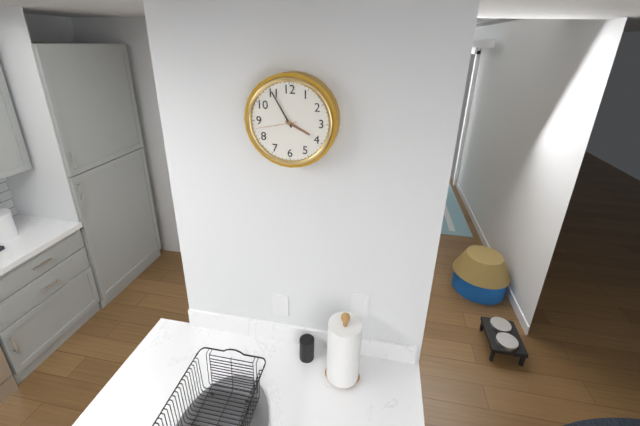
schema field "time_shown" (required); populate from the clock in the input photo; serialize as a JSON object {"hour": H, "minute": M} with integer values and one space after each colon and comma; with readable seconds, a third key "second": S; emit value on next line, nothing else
{"hour": 3, "minute": 55}
